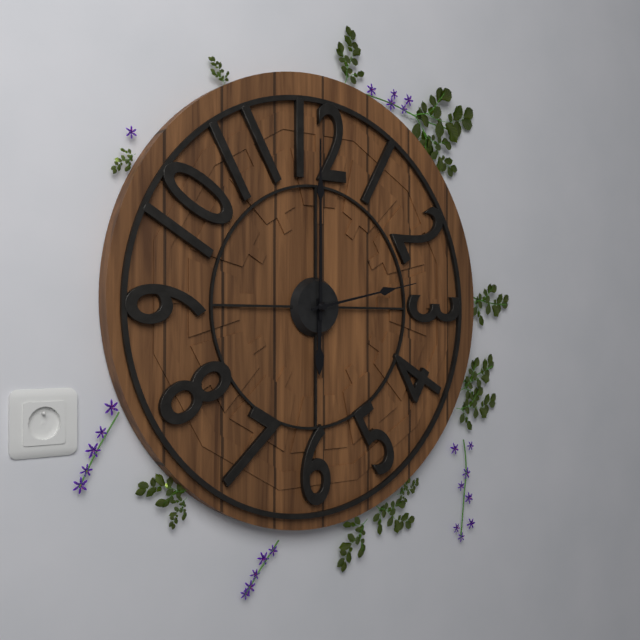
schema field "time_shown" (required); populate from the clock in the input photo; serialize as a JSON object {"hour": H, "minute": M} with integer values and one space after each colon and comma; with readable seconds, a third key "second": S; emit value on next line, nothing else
{"hour": 6, "minute": 0, "second": 13}
